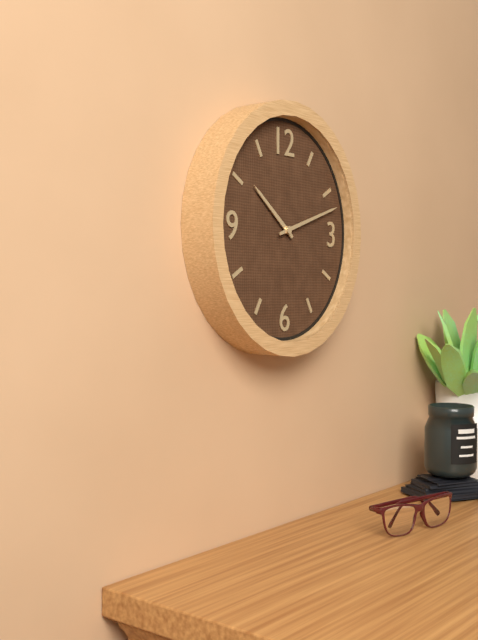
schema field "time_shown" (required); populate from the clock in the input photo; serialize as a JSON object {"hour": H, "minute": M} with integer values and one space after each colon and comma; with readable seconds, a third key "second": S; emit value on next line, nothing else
{"hour": 10, "minute": 12}
